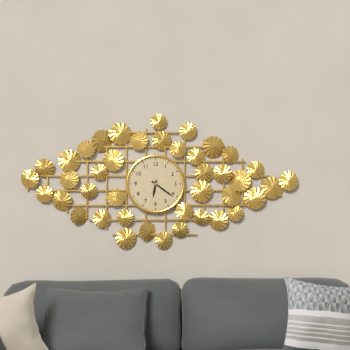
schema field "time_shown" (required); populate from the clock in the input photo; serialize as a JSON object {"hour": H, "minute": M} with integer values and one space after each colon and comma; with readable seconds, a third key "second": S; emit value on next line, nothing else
{"hour": 6, "minute": 21}
